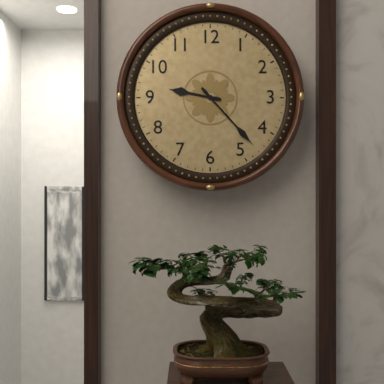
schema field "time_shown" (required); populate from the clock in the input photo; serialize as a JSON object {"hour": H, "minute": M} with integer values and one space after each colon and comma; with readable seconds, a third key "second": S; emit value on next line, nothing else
{"hour": 9, "minute": 23}
